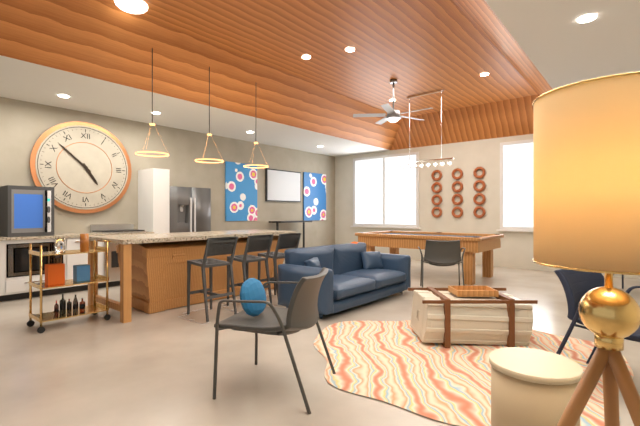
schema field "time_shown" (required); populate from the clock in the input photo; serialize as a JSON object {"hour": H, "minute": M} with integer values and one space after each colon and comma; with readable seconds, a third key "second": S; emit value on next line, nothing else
{"hour": 4, "minute": 52}
